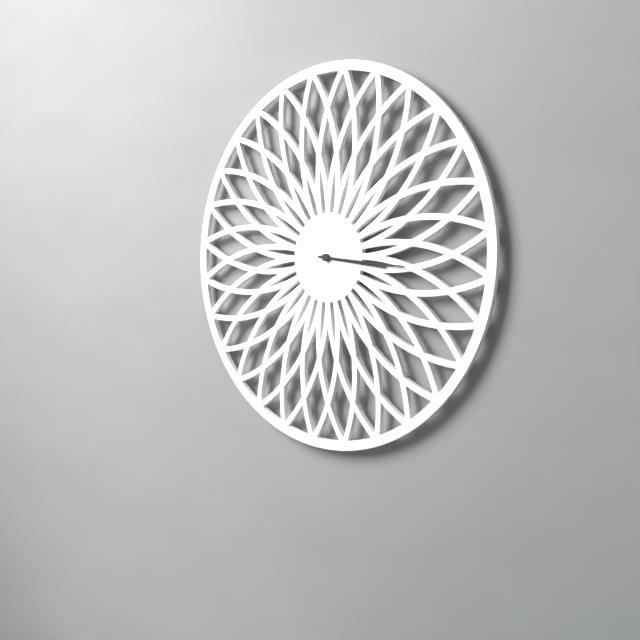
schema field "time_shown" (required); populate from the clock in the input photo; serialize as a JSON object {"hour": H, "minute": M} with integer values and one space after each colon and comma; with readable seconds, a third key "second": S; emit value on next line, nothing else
{"hour": 3, "minute": 16}
